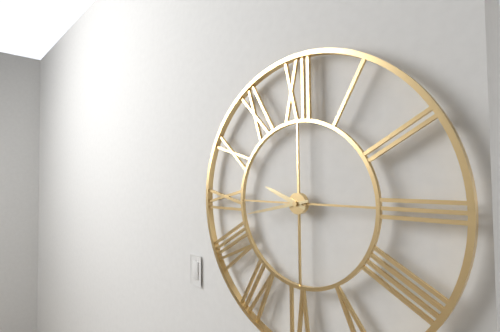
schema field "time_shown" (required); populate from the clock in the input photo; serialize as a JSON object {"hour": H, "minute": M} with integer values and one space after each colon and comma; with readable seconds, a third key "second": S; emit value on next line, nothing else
{"hour": 9, "minute": 43}
